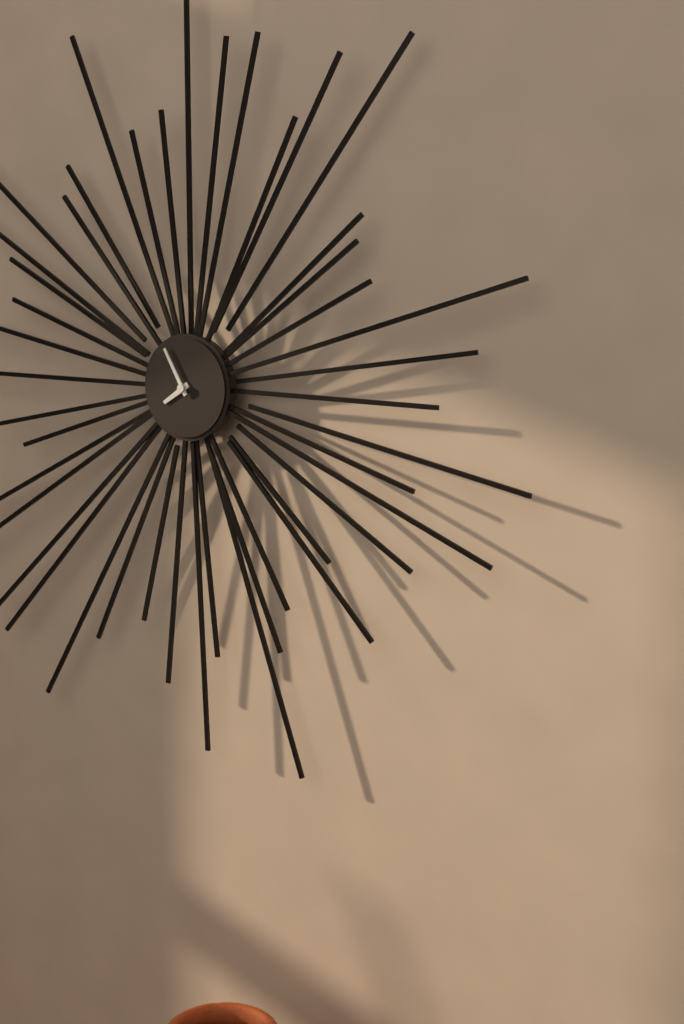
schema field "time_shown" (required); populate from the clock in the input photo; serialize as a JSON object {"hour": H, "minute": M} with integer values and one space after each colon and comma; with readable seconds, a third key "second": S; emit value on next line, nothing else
{"hour": 7, "minute": 55}
